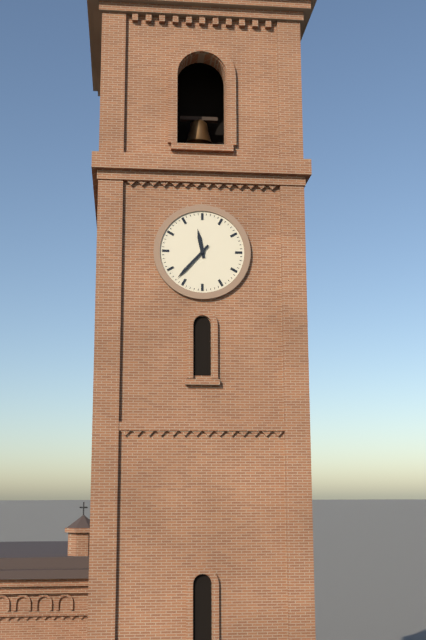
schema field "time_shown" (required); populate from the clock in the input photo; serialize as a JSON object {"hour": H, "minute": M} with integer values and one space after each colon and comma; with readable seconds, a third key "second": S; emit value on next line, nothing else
{"hour": 11, "minute": 37}
